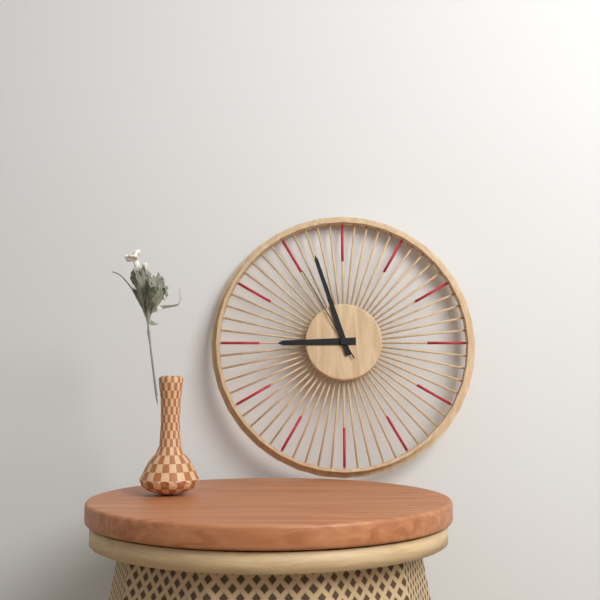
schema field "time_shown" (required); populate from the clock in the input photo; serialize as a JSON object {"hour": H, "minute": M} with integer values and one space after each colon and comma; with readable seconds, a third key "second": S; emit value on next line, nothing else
{"hour": 8, "minute": 57, "second": 55}
